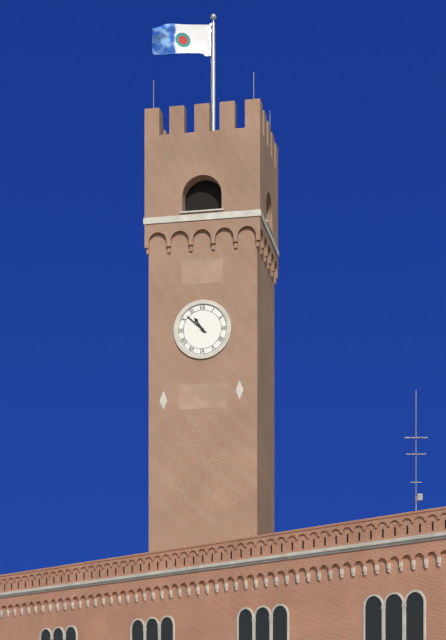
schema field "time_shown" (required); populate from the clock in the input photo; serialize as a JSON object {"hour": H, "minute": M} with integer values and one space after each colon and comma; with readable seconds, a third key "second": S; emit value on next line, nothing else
{"hour": 10, "minute": 52}
